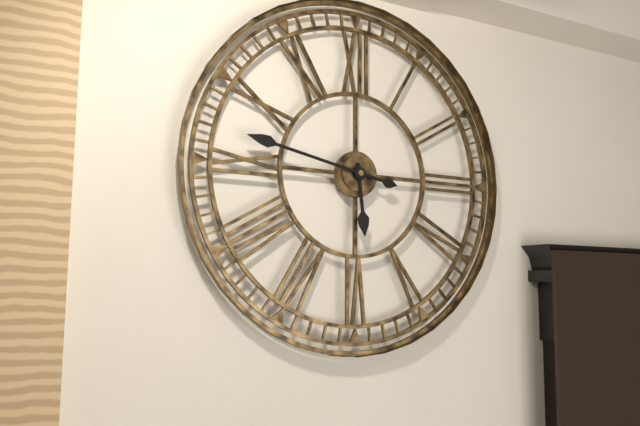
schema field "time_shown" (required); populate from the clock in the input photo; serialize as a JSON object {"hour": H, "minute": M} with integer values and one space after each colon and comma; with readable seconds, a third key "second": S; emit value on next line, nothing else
{"hour": 5, "minute": 47}
